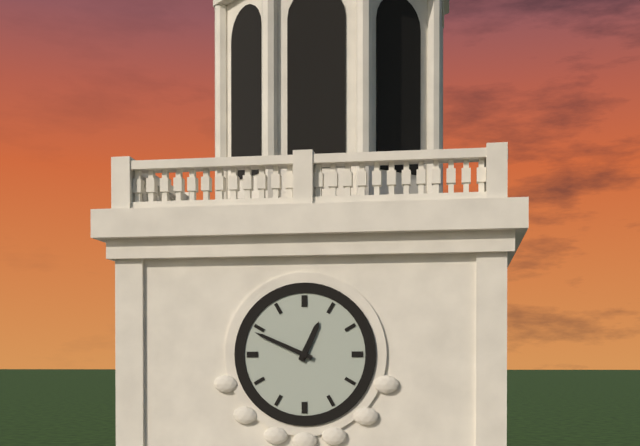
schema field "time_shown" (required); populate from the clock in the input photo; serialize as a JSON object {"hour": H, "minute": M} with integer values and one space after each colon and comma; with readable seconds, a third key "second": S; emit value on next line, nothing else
{"hour": 12, "minute": 49}
